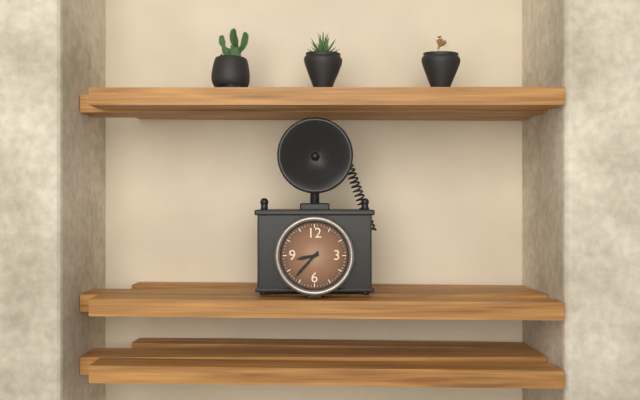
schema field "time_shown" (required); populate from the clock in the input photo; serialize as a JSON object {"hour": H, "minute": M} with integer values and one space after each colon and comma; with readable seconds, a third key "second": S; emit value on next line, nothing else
{"hour": 8, "minute": 37}
